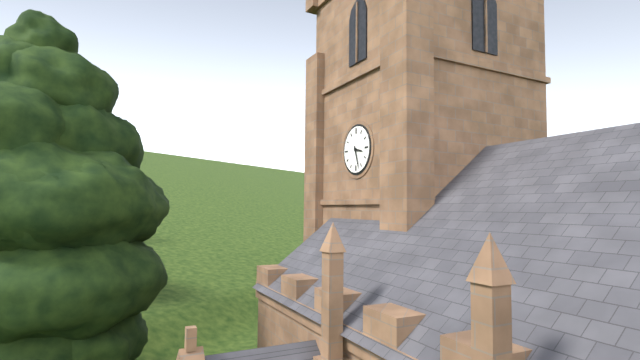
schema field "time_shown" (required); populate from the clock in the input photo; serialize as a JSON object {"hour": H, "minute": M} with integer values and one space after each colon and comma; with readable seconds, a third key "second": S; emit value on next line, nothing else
{"hour": 3, "minute": 27}
